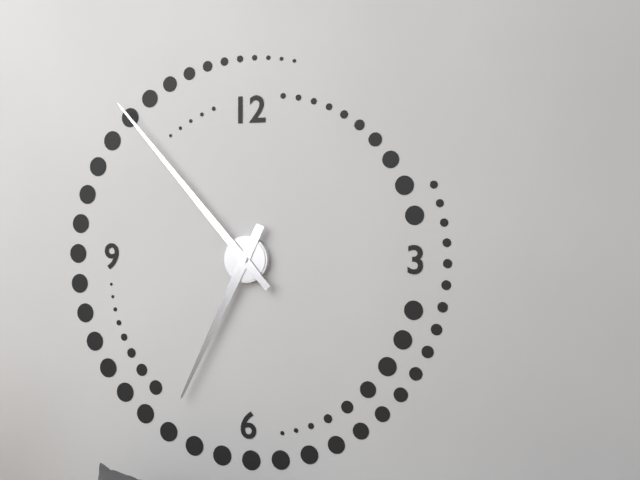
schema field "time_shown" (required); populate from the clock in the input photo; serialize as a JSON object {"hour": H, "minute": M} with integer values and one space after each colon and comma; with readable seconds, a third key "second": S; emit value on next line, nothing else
{"hour": 6, "minute": 53}
